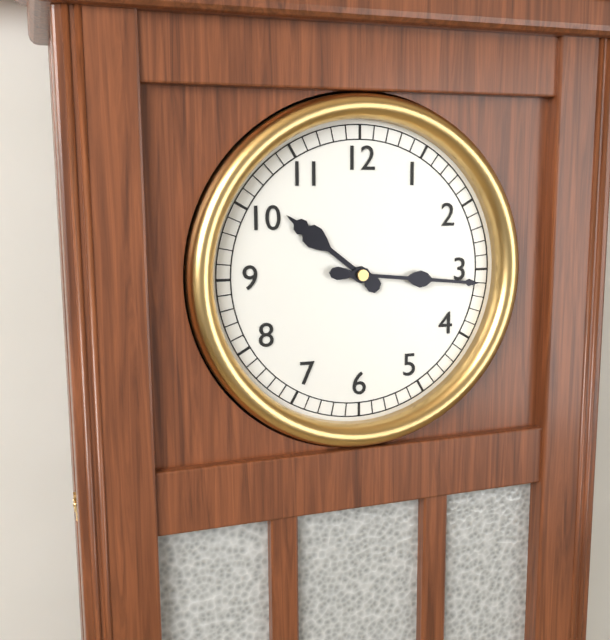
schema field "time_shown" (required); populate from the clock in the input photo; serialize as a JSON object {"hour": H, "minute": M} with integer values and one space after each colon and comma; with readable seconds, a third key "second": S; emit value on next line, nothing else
{"hour": 10, "minute": 16}
